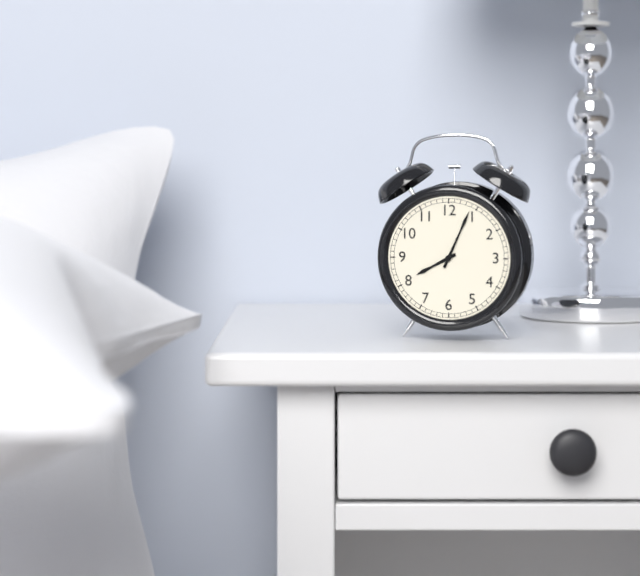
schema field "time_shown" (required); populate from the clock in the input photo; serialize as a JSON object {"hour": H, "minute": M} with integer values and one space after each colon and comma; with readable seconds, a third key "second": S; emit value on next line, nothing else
{"hour": 8, "minute": 4}
